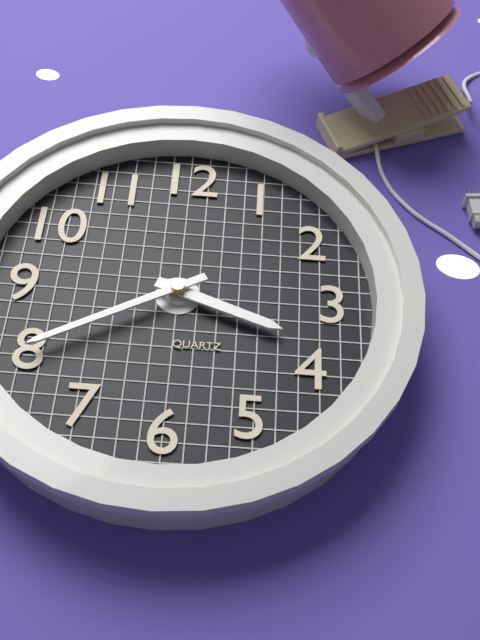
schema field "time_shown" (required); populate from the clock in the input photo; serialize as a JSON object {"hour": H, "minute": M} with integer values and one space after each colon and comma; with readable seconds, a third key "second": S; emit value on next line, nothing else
{"hour": 3, "minute": 40}
